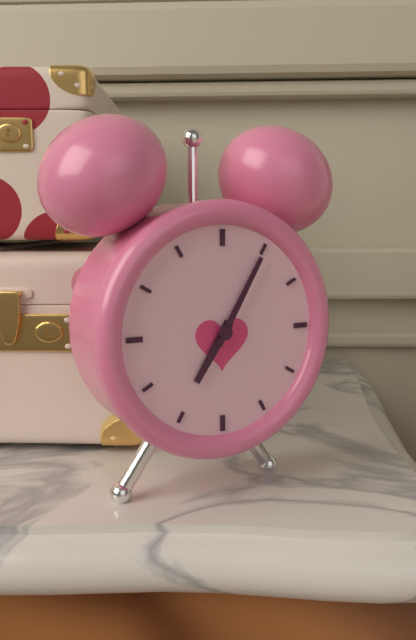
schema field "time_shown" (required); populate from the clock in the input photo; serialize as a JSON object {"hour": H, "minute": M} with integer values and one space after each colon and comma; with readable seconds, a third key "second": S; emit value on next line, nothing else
{"hour": 7, "minute": 5}
